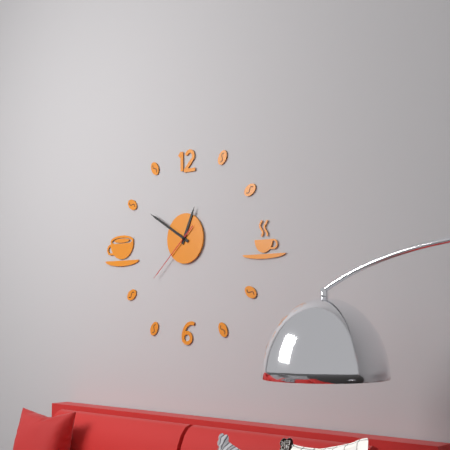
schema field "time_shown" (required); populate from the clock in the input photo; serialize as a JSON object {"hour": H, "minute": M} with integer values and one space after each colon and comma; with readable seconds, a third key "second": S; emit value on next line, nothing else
{"hour": 12, "minute": 50, "second": 38}
